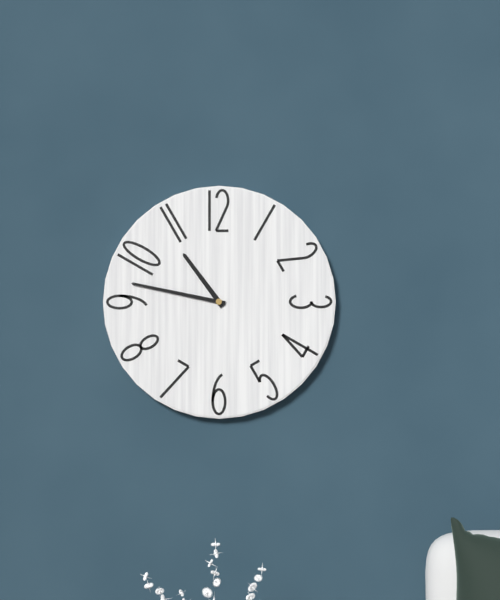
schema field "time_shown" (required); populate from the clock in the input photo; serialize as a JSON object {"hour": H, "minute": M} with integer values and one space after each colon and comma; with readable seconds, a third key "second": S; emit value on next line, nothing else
{"hour": 10, "minute": 47}
